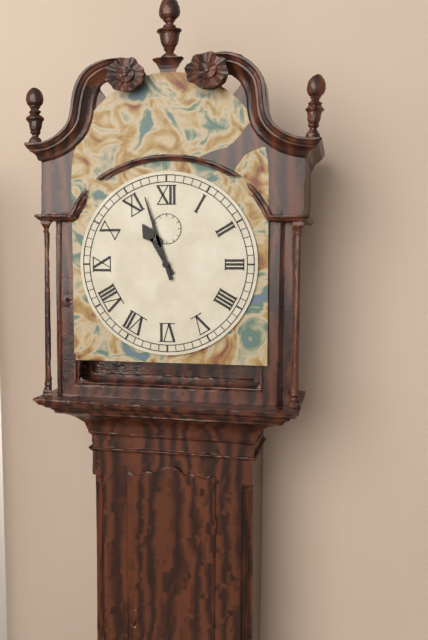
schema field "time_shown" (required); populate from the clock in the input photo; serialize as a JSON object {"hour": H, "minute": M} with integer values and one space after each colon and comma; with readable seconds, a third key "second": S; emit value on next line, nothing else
{"hour": 10, "minute": 57}
